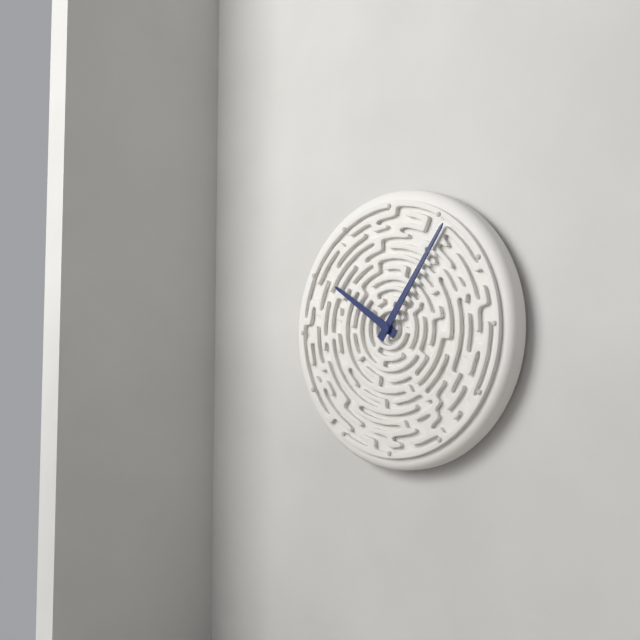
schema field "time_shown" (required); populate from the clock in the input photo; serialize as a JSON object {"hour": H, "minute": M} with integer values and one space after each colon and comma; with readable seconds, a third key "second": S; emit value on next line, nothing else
{"hour": 10, "minute": 6}
